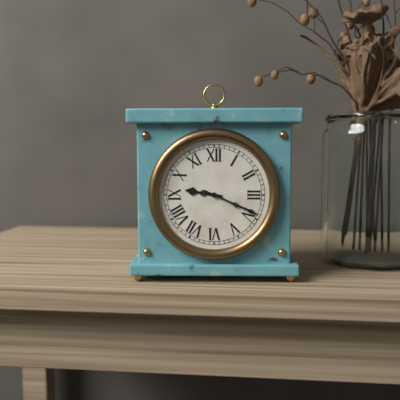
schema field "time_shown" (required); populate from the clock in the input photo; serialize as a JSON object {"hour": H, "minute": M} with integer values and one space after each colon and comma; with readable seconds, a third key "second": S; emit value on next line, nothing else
{"hour": 9, "minute": 19}
